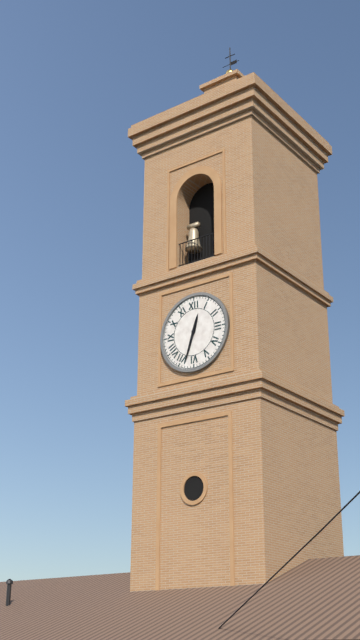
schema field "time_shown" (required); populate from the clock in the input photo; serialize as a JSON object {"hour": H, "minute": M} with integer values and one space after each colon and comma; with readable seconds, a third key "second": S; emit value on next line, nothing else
{"hour": 12, "minute": 33}
